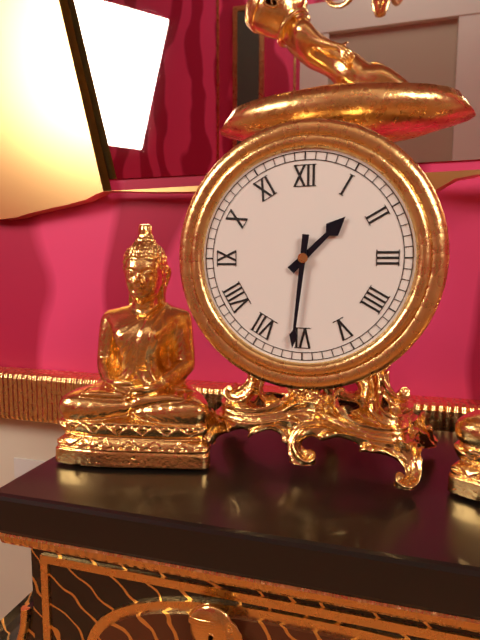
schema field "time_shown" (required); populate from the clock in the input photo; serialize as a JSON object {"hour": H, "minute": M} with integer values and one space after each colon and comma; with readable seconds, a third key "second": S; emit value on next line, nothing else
{"hour": 1, "minute": 31}
